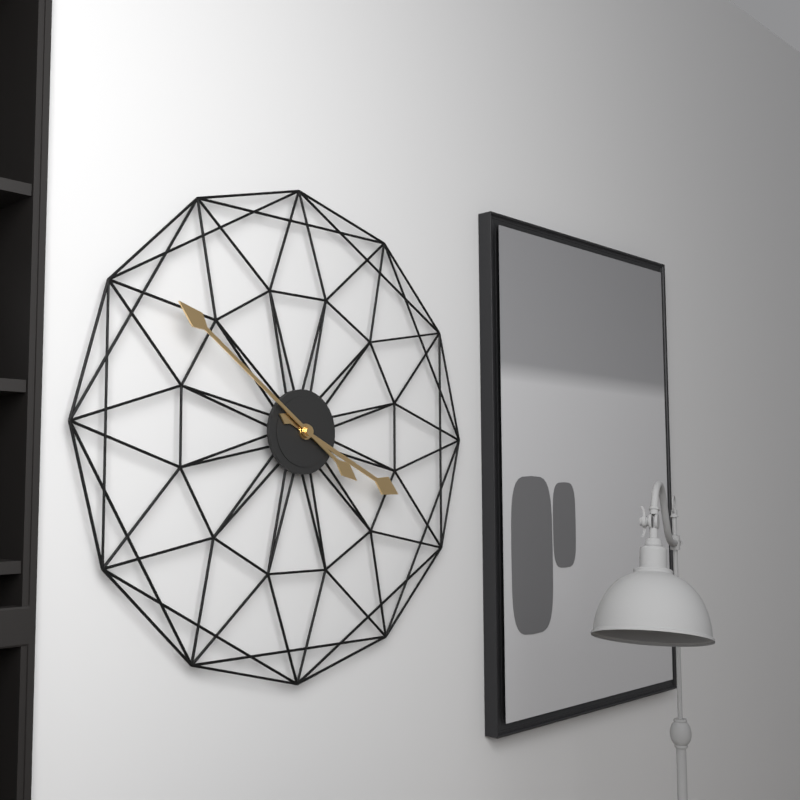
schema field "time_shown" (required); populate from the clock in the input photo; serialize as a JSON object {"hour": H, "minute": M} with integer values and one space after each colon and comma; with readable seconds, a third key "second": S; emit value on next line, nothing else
{"hour": 3, "minute": 51}
